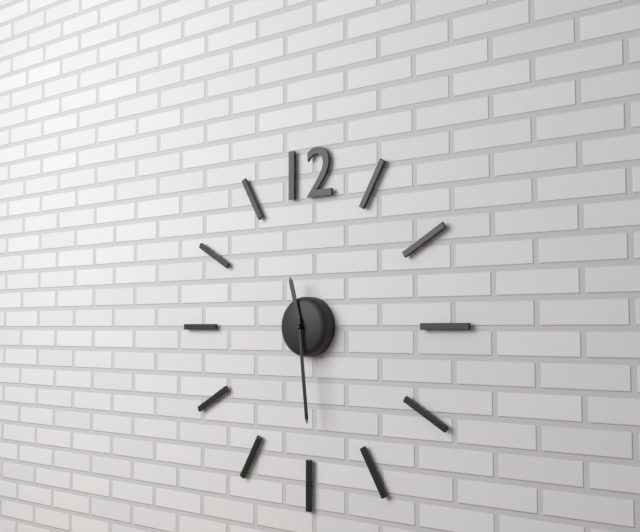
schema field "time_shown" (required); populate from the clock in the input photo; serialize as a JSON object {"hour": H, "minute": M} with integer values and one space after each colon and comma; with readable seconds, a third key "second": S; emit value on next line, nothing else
{"hour": 11, "minute": 29}
